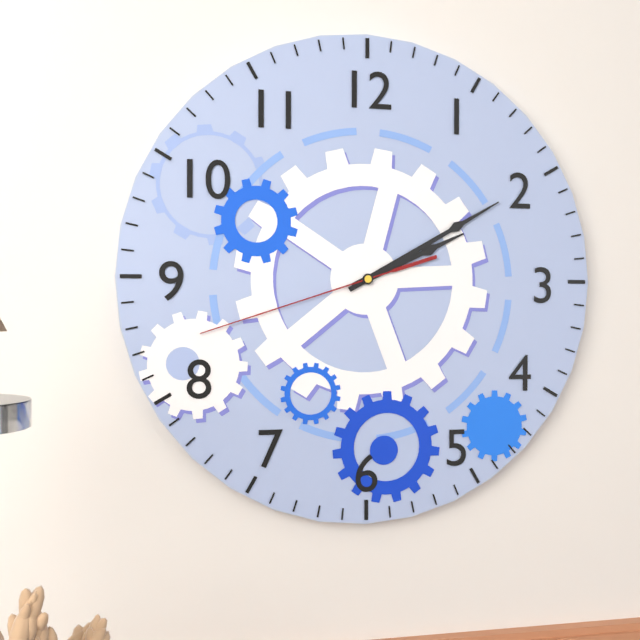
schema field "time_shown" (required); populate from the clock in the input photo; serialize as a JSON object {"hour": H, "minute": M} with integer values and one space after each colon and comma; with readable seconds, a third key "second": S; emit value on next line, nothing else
{"hour": 2, "minute": 10, "second": 42}
